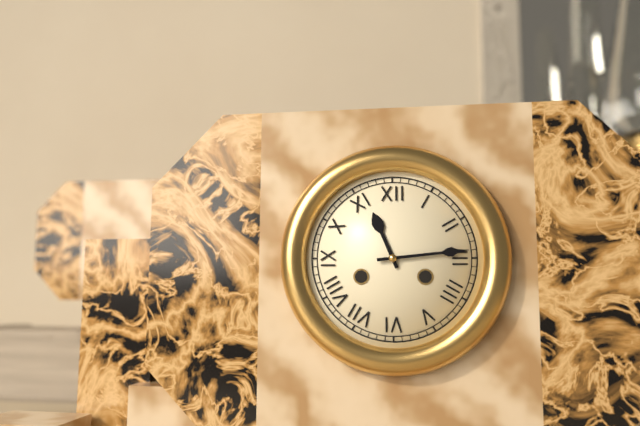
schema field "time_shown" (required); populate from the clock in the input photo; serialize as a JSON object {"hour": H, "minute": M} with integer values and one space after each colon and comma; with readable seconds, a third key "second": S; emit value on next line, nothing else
{"hour": 11, "minute": 14}
